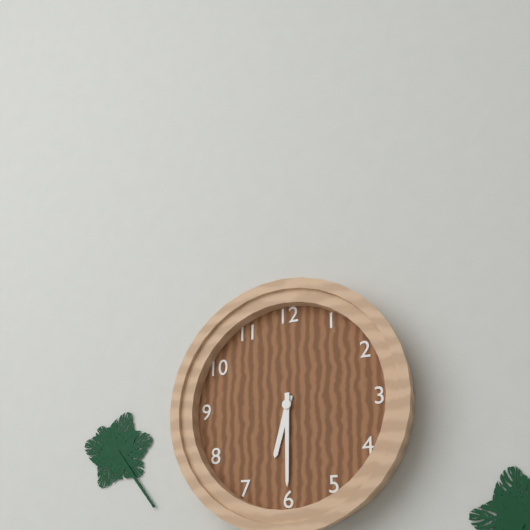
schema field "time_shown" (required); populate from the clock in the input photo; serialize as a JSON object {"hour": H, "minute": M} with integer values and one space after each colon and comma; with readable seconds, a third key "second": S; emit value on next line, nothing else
{"hour": 6, "minute": 30}
